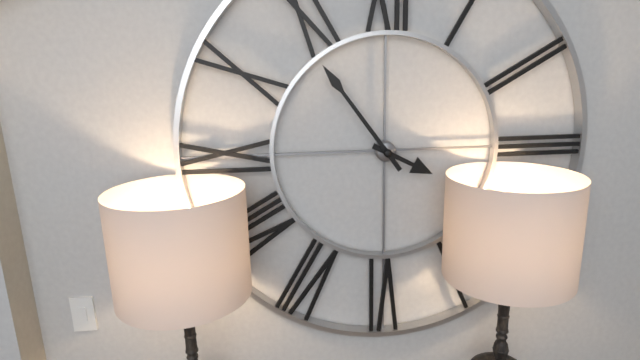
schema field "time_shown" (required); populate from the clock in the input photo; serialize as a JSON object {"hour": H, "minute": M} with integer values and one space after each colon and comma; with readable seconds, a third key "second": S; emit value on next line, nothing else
{"hour": 3, "minute": 54}
